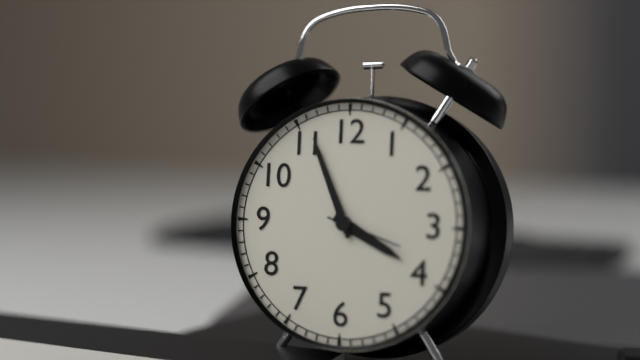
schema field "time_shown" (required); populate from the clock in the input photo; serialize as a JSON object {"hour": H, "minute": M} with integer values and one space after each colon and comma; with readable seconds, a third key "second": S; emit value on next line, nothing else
{"hour": 3, "minute": 56, "second": 18}
